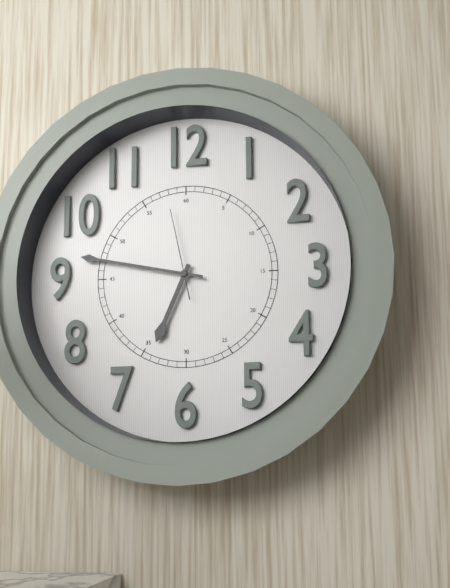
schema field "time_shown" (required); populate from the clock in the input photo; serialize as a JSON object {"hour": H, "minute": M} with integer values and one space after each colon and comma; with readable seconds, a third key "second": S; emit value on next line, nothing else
{"hour": 6, "minute": 47, "second": 58}
